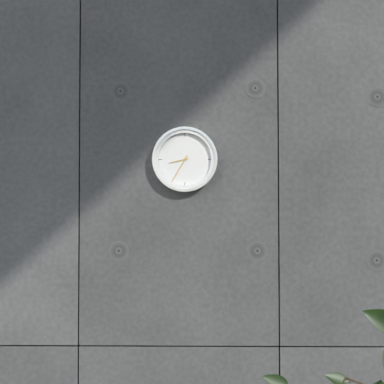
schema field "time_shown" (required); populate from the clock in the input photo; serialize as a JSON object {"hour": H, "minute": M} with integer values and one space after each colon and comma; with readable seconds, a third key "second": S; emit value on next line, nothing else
{"hour": 8, "minute": 35}
